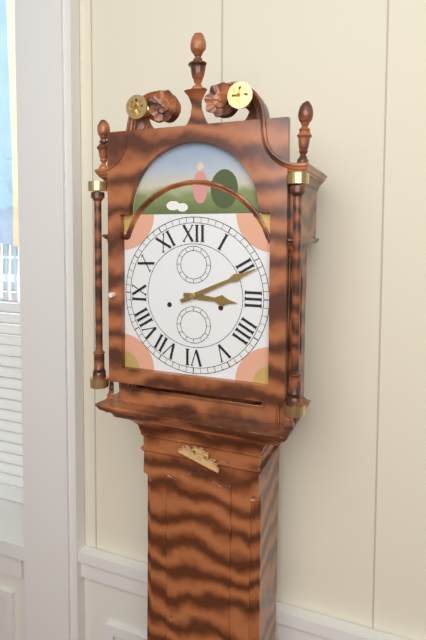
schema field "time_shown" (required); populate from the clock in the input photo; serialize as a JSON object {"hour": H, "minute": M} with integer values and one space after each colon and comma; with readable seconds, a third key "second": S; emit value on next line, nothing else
{"hour": 3, "minute": 11}
